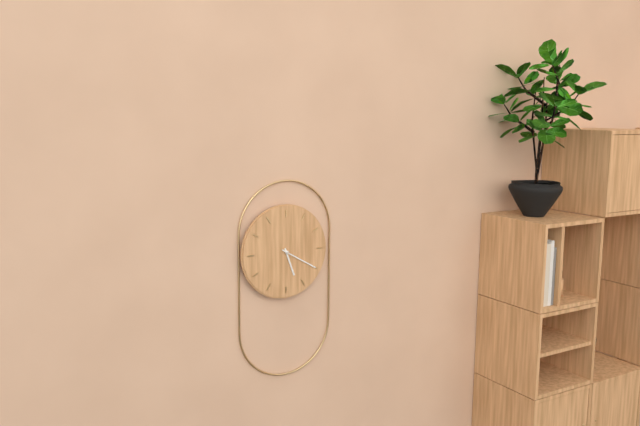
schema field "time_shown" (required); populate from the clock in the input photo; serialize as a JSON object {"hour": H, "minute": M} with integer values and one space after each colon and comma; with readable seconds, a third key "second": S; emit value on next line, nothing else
{"hour": 5, "minute": 20}
